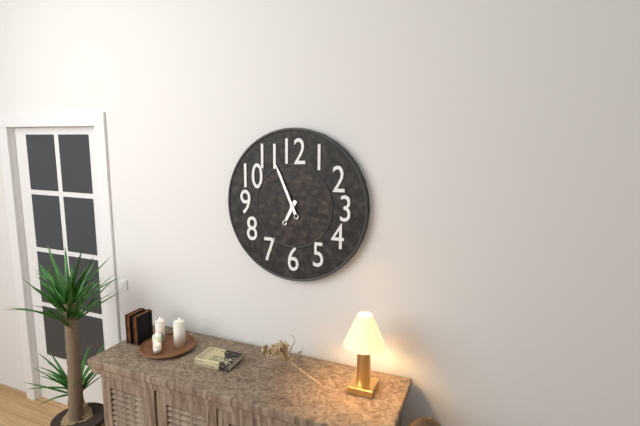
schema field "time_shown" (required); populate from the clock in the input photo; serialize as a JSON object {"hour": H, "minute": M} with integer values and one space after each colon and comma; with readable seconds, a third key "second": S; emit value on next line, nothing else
{"hour": 6, "minute": 56}
